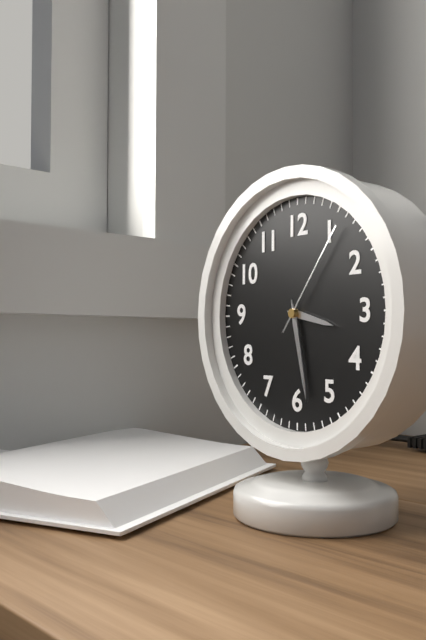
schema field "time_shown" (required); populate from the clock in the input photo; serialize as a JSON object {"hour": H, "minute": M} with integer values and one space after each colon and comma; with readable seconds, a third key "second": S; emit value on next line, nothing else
{"hour": 3, "minute": 28, "second": 6}
